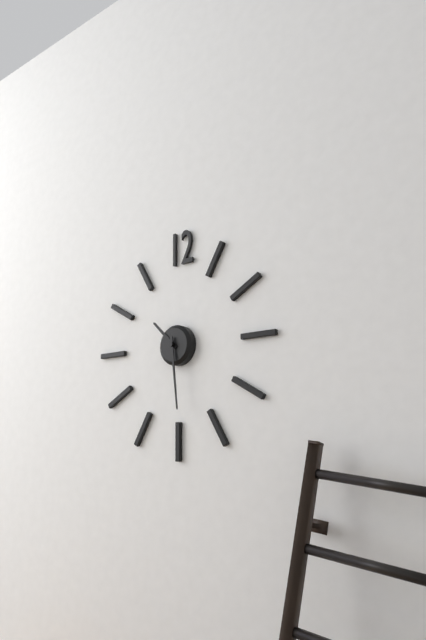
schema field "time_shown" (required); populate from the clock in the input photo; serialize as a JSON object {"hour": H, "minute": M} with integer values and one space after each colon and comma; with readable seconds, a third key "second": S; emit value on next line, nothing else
{"hour": 10, "minute": 29}
